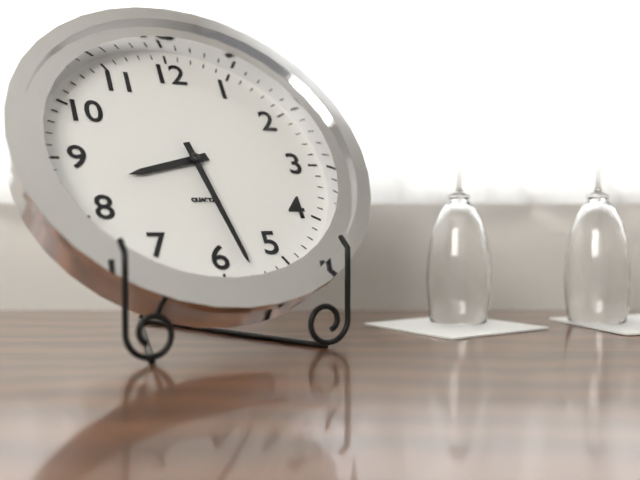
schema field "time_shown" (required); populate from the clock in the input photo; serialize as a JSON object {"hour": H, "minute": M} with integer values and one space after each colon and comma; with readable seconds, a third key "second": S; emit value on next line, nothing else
{"hour": 8, "minute": 28}
